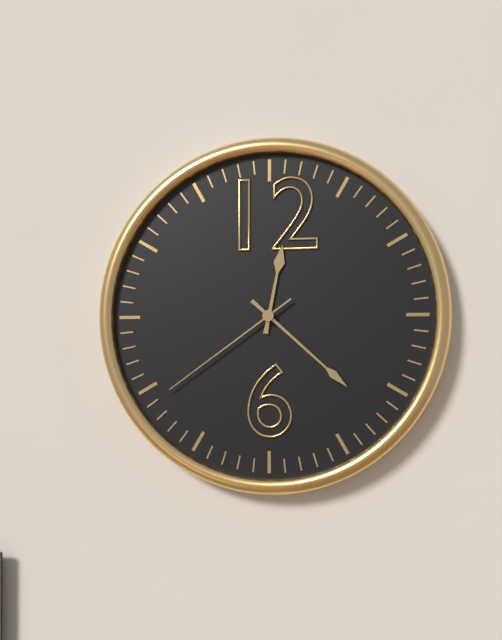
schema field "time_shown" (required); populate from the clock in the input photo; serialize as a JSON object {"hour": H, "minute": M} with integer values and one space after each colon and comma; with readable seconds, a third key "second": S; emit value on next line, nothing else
{"hour": 12, "minute": 22, "second": 39}
